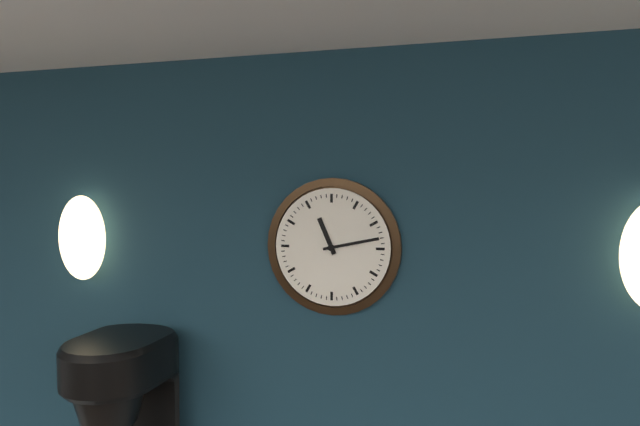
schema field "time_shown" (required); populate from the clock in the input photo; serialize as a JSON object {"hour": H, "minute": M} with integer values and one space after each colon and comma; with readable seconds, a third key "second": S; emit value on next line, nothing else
{"hour": 11, "minute": 13}
